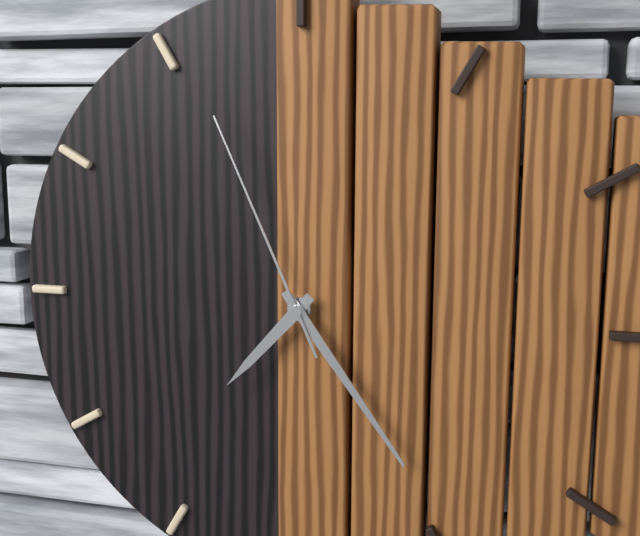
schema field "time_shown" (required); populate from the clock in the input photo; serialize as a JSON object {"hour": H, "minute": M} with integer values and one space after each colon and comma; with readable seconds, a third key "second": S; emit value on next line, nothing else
{"hour": 7, "minute": 24, "second": 56}
